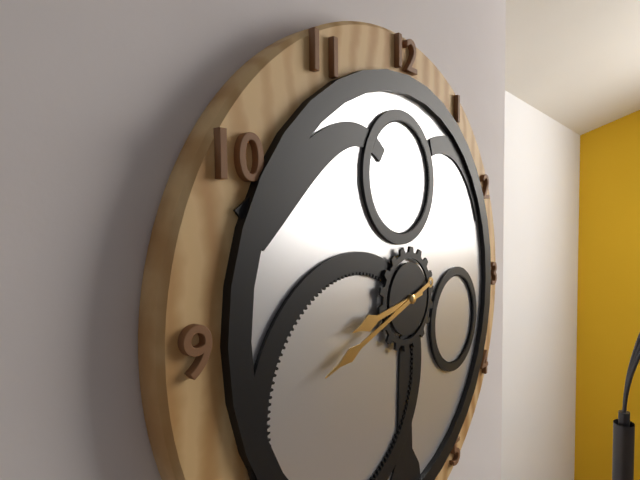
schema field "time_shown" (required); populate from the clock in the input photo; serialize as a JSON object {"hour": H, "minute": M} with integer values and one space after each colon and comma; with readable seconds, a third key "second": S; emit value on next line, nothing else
{"hour": 8, "minute": 42}
